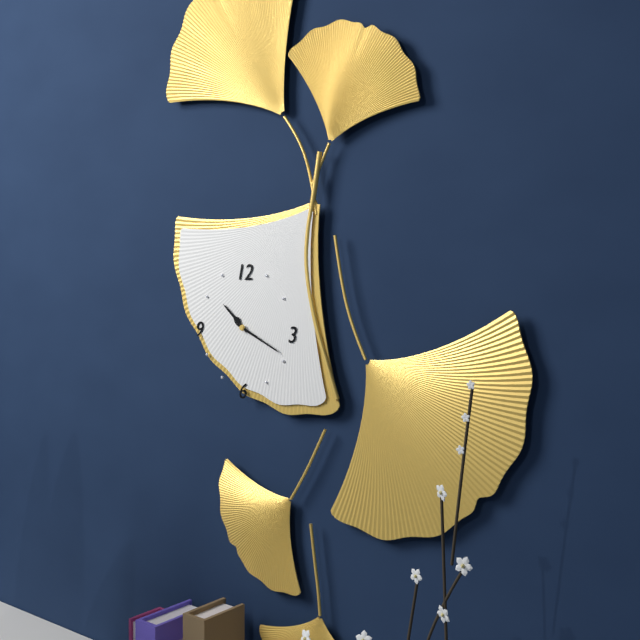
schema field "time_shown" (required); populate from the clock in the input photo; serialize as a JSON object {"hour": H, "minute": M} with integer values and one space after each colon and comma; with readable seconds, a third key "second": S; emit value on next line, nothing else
{"hour": 10, "minute": 19}
